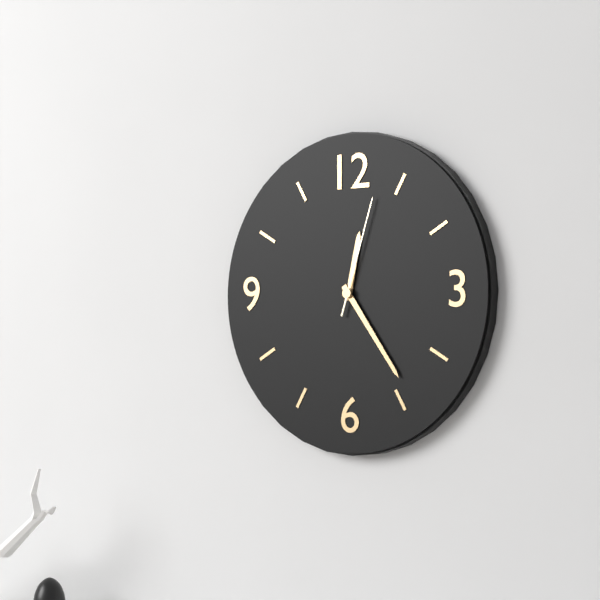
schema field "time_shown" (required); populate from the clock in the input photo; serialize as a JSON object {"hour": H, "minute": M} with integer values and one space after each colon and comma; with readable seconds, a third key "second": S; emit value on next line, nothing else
{"hour": 12, "minute": 24, "second": 3}
